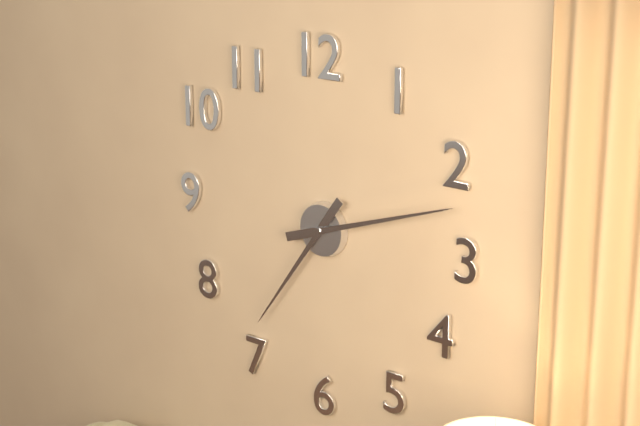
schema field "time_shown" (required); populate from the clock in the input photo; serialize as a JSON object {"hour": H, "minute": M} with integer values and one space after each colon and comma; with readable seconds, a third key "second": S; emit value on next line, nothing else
{"hour": 7, "minute": 12}
